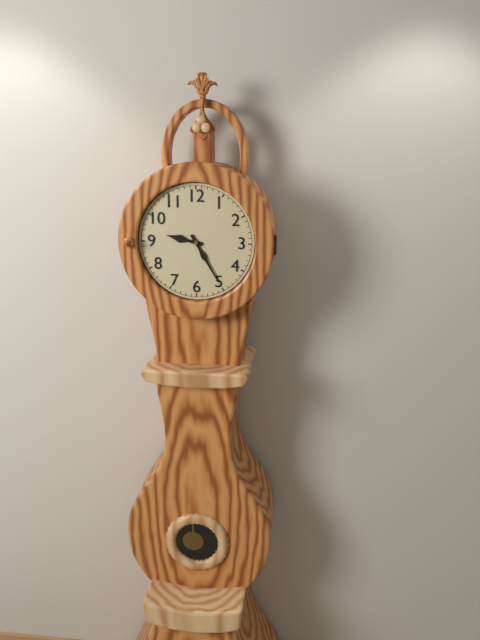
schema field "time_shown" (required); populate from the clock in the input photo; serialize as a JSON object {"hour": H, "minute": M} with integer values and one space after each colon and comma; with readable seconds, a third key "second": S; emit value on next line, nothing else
{"hour": 9, "minute": 25}
